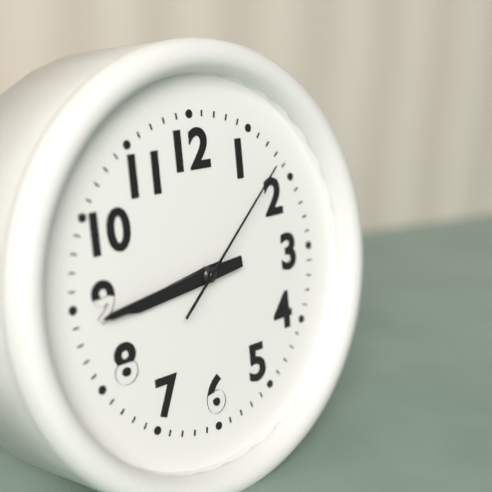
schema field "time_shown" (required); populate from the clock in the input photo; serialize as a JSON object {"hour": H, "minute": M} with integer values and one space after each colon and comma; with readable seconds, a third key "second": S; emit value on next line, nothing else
{"hour": 8, "minute": 44, "second": 8}
